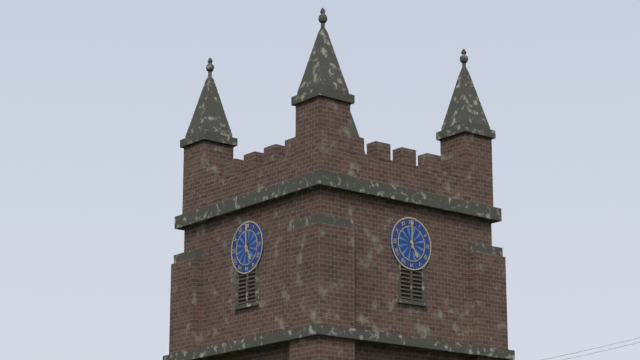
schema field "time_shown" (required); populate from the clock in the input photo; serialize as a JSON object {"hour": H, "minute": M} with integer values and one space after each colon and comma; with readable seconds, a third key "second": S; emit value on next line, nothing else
{"hour": 5, "minute": 0}
